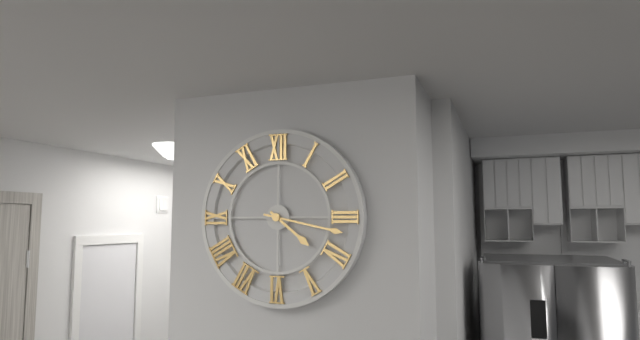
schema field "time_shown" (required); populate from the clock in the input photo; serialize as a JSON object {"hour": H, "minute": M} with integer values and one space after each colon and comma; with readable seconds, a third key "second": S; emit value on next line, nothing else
{"hour": 4, "minute": 17}
